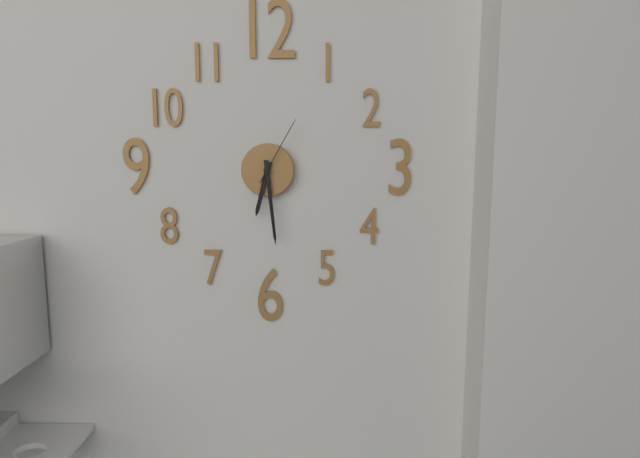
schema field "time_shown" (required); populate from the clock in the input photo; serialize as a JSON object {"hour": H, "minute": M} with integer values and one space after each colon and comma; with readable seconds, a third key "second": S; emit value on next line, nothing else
{"hour": 6, "minute": 29, "second": 5}
